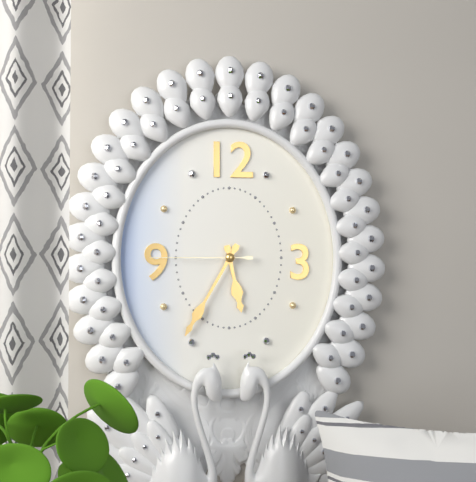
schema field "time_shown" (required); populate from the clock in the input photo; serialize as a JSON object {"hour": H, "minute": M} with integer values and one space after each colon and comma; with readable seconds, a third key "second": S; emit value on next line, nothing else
{"hour": 5, "minute": 35, "second": 45}
